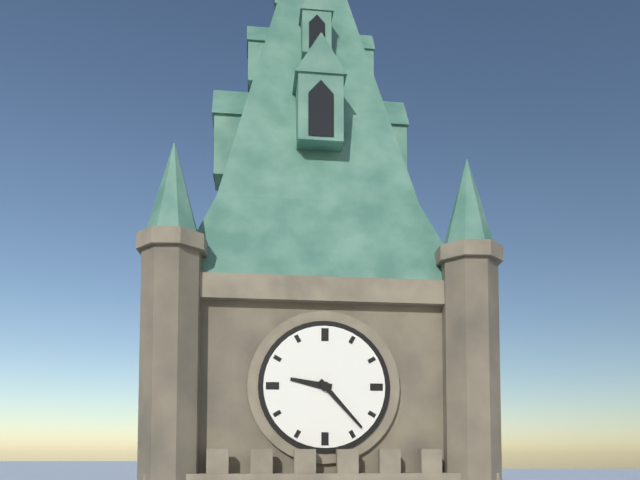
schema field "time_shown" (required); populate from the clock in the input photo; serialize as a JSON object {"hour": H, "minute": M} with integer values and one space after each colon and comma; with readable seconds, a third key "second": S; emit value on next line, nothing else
{"hour": 9, "minute": 23}
